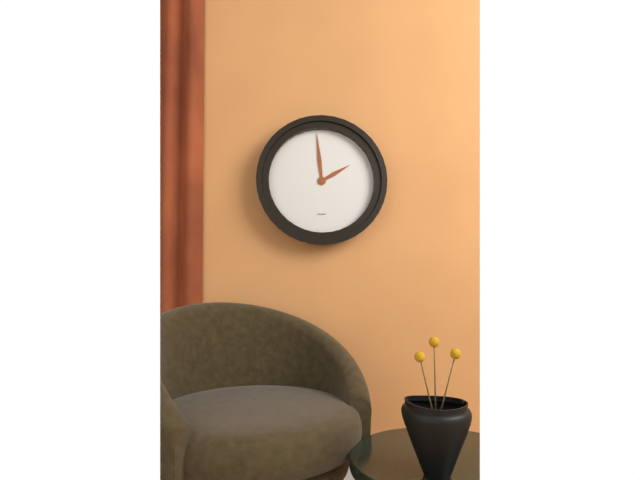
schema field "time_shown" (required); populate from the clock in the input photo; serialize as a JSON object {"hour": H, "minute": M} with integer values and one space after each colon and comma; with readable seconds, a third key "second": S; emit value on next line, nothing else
{"hour": 1, "minute": 59}
